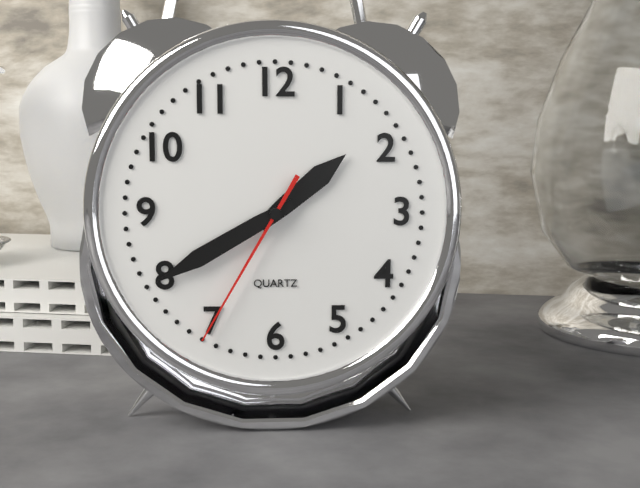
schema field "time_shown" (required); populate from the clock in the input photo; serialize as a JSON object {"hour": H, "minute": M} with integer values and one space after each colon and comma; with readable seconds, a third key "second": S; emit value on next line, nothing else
{"hour": 1, "minute": 40, "second": 35}
